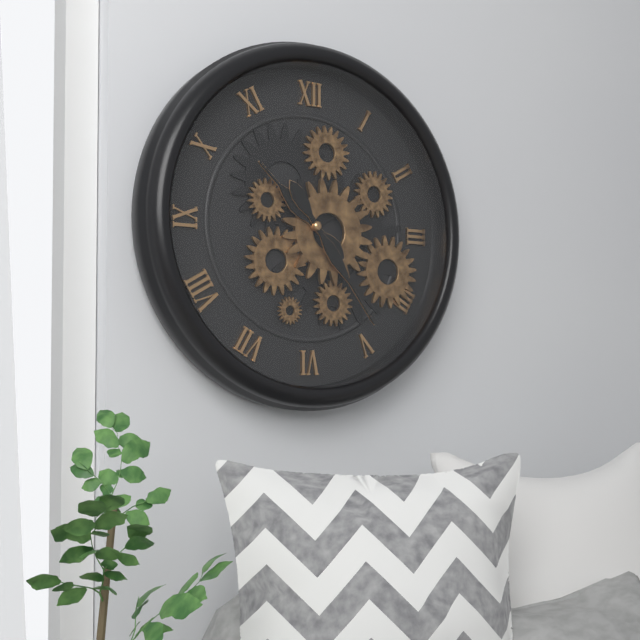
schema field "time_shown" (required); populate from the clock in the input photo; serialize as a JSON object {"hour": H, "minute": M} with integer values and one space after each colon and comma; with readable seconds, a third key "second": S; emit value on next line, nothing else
{"hour": 10, "minute": 24}
